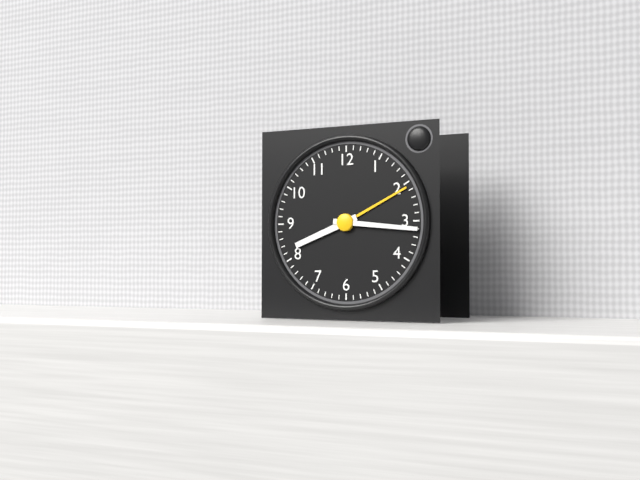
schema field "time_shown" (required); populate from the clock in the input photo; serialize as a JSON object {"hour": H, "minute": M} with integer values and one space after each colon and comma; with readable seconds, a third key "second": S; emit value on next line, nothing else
{"hour": 8, "minute": 16}
